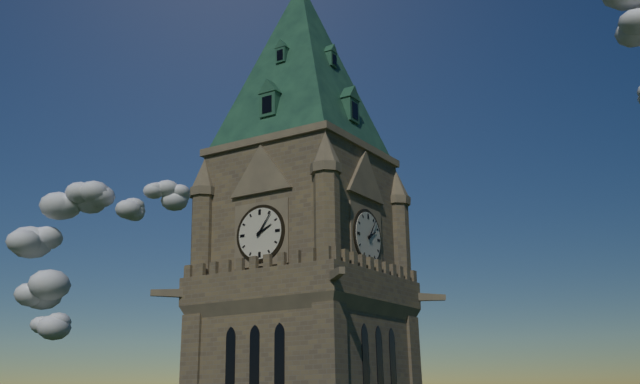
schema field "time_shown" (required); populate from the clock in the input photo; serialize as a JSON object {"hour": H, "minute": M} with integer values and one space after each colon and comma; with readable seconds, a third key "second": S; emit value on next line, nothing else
{"hour": 2, "minute": 6}
